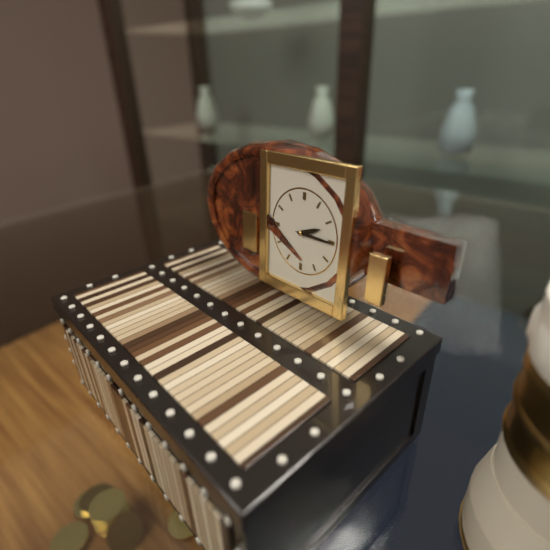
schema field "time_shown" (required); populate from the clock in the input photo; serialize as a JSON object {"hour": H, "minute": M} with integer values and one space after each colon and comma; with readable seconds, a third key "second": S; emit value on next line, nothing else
{"hour": 2, "minute": 15}
